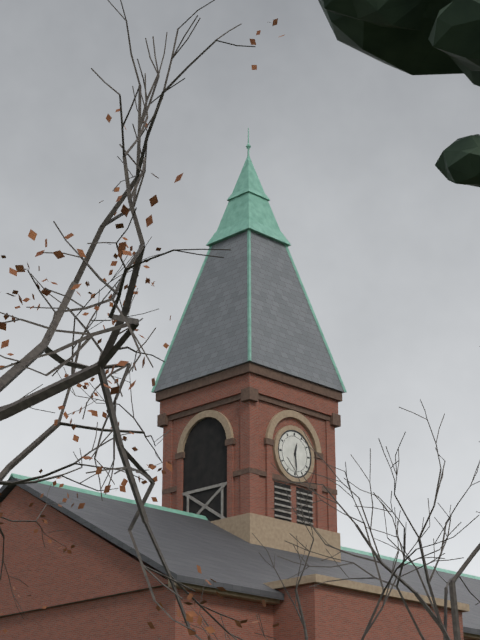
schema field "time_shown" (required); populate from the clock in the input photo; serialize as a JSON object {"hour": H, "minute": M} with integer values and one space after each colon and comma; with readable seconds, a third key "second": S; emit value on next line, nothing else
{"hour": 12, "minute": 29}
